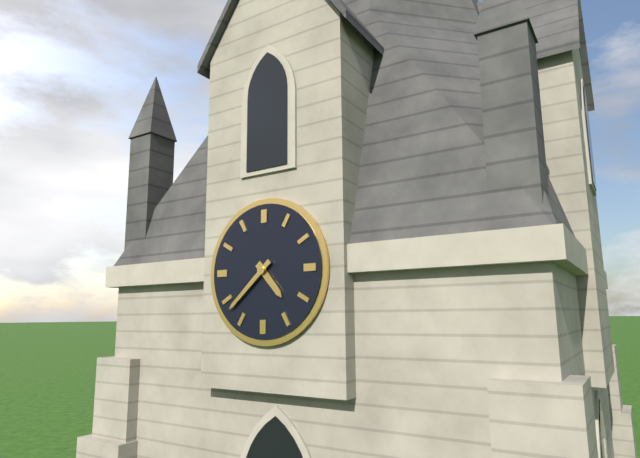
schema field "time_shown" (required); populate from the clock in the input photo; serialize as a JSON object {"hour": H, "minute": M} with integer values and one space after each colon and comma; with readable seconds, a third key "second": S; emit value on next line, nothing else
{"hour": 4, "minute": 38}
